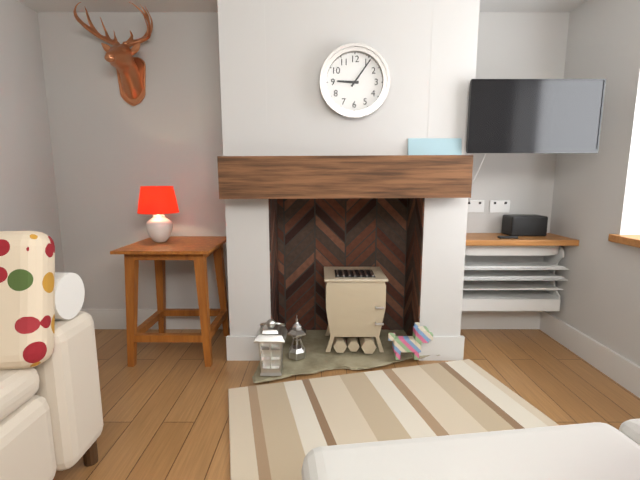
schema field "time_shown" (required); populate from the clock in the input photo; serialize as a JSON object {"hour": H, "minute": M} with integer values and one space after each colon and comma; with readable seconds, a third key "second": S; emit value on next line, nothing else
{"hour": 9, "minute": 6}
